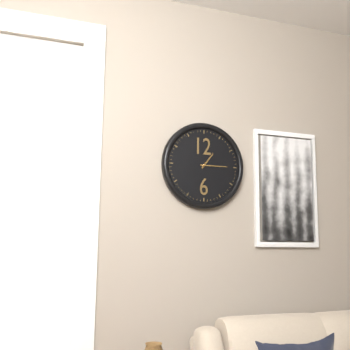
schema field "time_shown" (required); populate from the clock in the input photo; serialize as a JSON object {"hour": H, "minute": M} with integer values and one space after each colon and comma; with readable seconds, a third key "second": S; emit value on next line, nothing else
{"hour": 1, "minute": 15}
